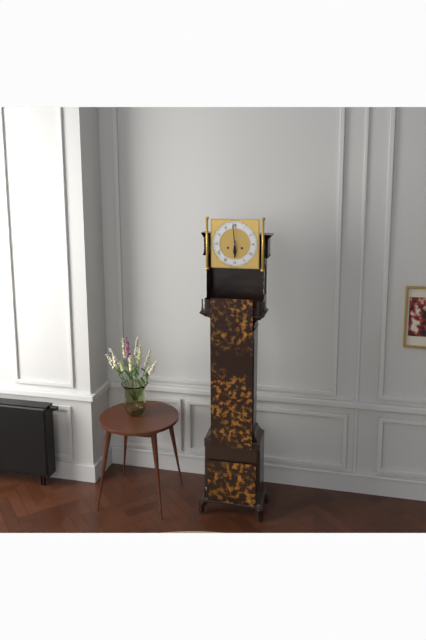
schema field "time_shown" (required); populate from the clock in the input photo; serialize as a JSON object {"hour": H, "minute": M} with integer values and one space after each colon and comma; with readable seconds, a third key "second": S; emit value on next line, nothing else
{"hour": 5, "minute": 59}
